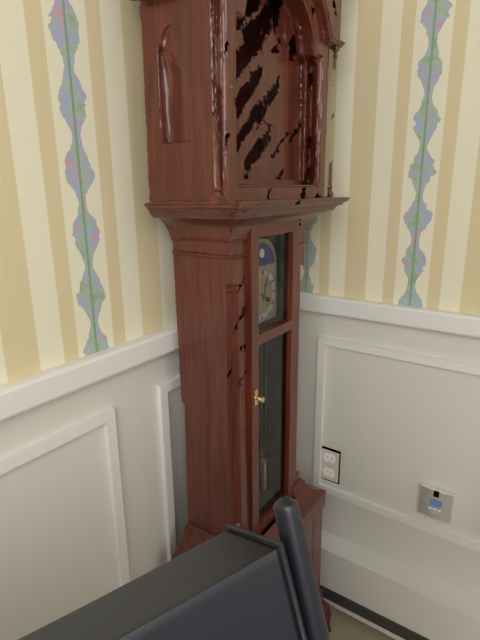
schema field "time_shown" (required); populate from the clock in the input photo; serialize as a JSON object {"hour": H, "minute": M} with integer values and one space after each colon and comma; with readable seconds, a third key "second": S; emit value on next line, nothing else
{"hour": 4, "minute": 3}
